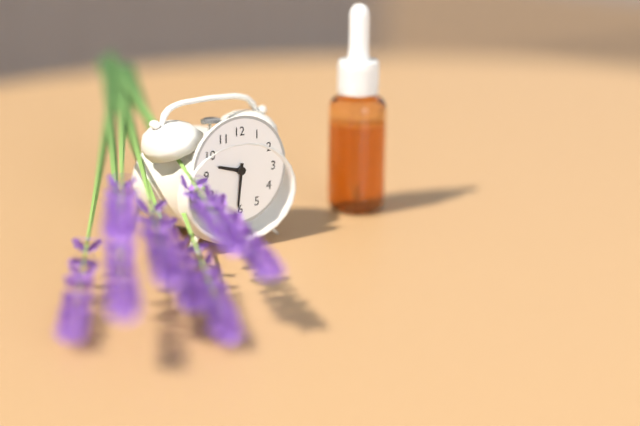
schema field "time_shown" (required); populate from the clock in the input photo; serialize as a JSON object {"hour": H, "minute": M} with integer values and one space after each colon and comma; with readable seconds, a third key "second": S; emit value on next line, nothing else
{"hour": 9, "minute": 31}
